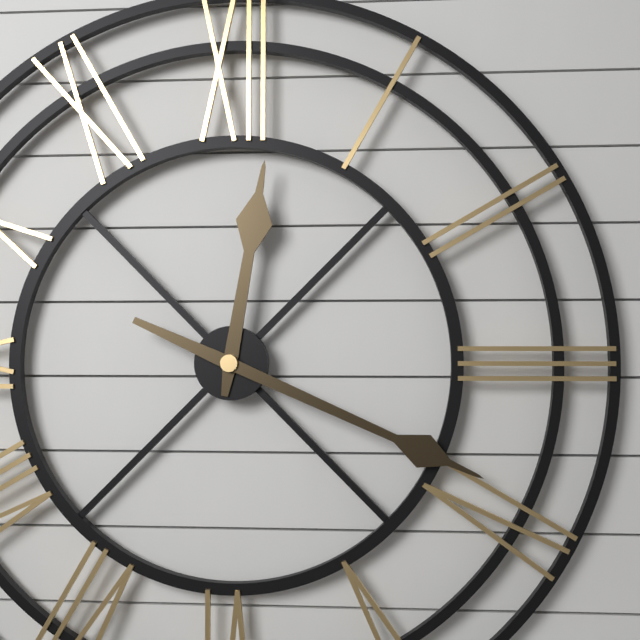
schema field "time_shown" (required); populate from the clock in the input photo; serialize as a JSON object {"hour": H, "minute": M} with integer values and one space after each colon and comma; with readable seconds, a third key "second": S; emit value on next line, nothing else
{"hour": 12, "minute": 19}
